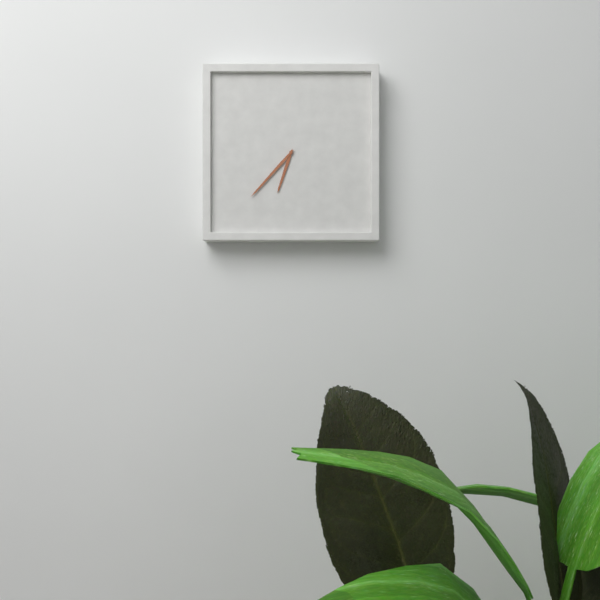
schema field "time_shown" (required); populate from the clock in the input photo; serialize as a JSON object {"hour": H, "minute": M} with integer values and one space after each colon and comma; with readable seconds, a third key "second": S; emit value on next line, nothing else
{"hour": 6, "minute": 37}
